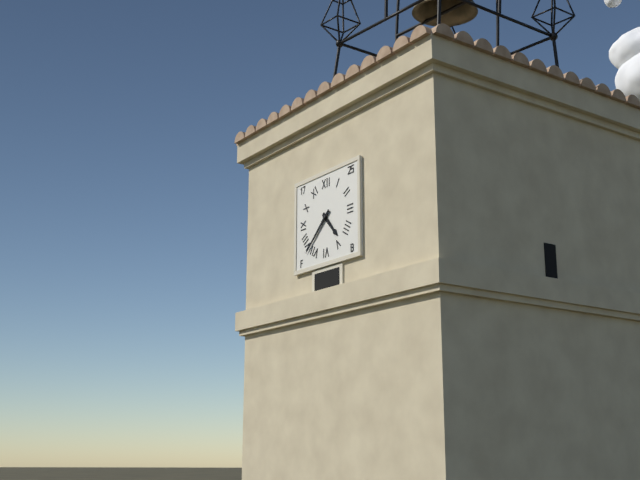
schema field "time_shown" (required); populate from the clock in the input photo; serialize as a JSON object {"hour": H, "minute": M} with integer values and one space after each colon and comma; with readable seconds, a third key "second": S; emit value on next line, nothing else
{"hour": 4, "minute": 38}
